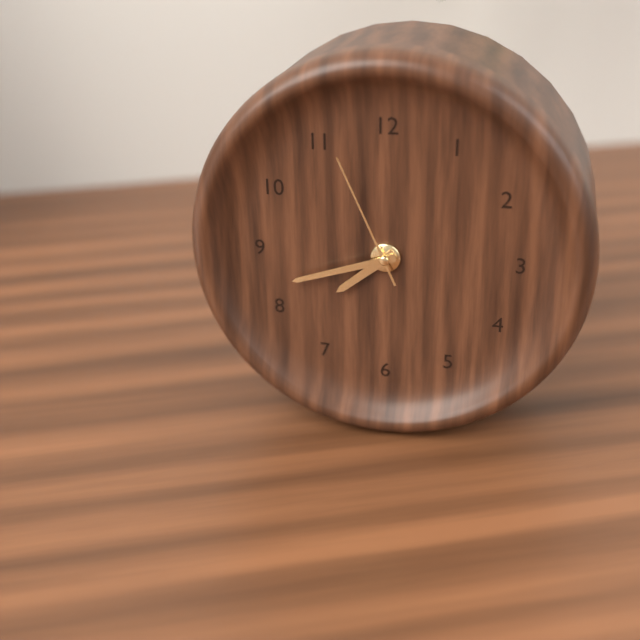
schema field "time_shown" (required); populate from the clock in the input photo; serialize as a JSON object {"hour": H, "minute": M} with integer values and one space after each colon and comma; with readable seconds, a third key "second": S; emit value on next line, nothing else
{"hour": 7, "minute": 42, "second": 56}
